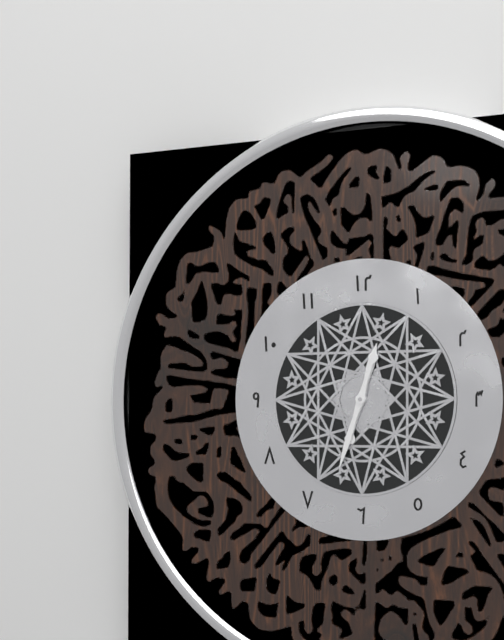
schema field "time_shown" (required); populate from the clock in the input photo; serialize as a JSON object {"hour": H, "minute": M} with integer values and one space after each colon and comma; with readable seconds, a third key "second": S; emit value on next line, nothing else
{"hour": 12, "minute": 33}
